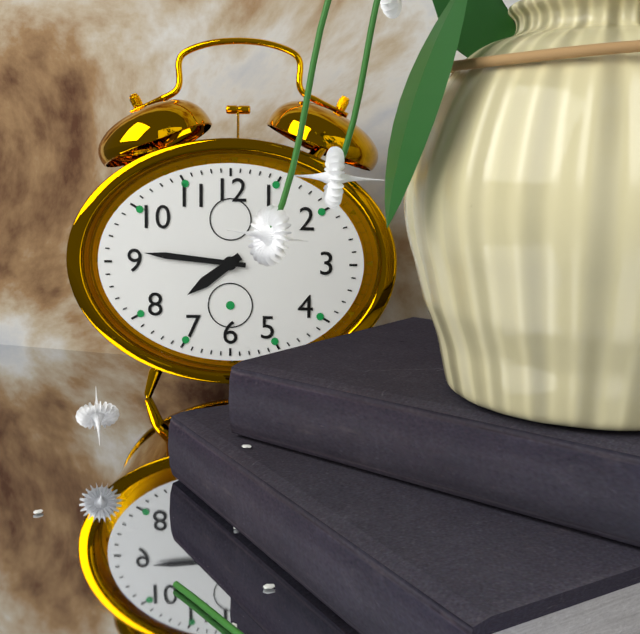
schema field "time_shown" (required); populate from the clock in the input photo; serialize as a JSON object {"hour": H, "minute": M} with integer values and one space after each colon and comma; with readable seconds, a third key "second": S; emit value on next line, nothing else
{"hour": 7, "minute": 46}
